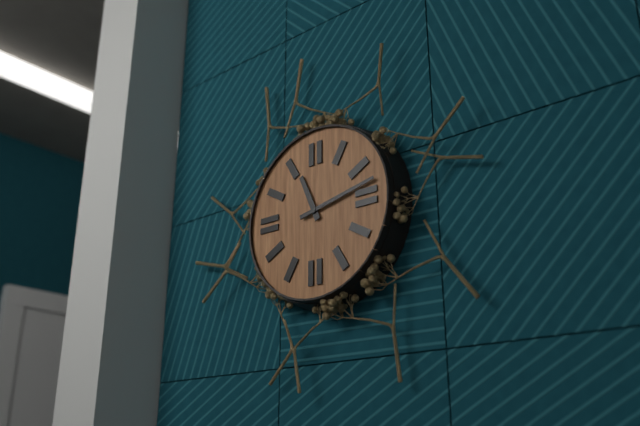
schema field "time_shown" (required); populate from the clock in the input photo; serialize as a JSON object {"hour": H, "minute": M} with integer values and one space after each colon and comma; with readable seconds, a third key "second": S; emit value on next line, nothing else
{"hour": 11, "minute": 13}
